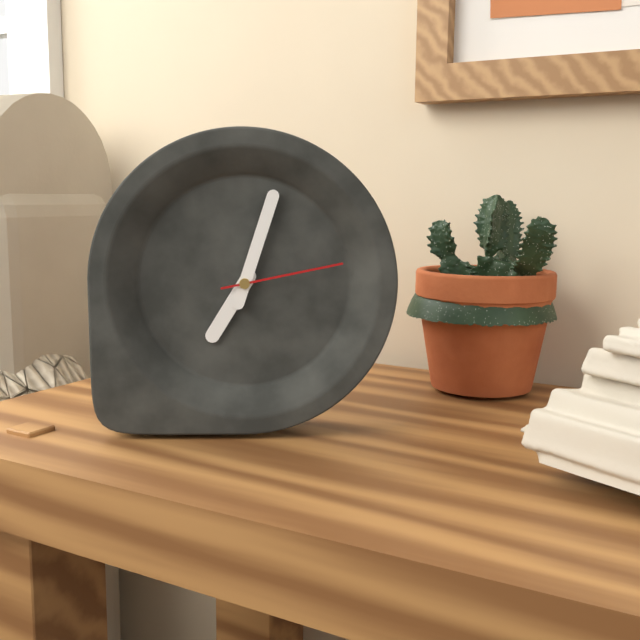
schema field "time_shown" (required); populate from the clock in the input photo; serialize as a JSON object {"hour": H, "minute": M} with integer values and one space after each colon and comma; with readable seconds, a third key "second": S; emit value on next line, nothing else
{"hour": 7, "minute": 3, "second": 13}
